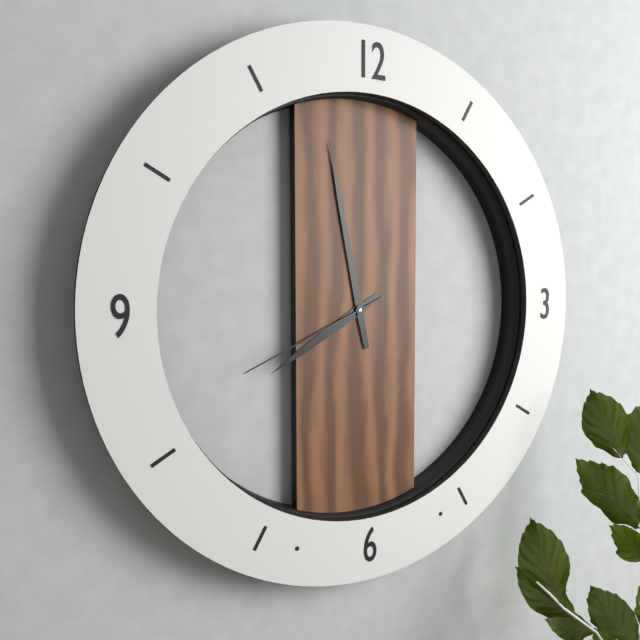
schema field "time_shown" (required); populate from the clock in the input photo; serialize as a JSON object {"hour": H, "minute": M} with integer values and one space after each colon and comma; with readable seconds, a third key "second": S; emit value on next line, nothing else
{"hour": 7, "minute": 58, "second": 41}
